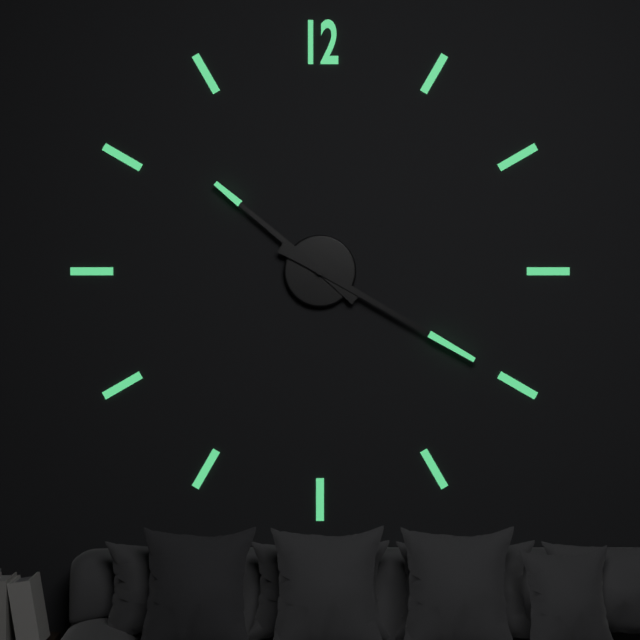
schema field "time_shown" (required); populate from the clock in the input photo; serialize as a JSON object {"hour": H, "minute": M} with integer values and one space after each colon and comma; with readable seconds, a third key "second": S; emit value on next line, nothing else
{"hour": 10, "minute": 20}
